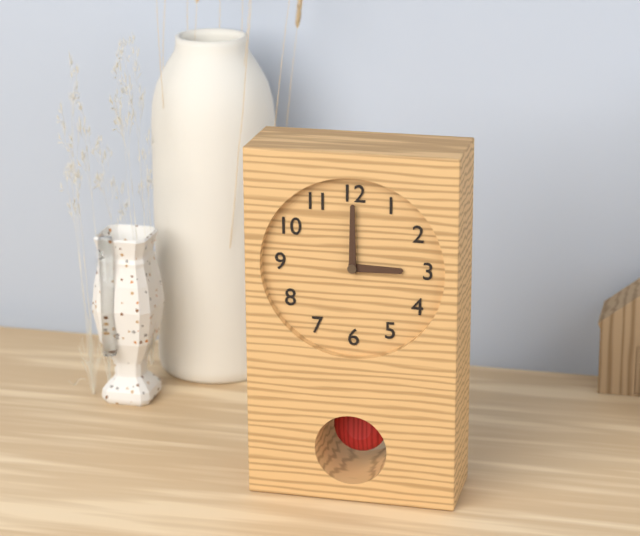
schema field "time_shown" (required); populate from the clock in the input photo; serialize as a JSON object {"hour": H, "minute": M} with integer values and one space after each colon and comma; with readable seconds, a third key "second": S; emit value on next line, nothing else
{"hour": 3, "minute": 0}
